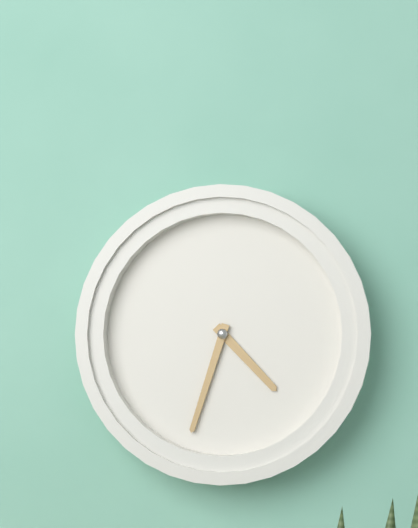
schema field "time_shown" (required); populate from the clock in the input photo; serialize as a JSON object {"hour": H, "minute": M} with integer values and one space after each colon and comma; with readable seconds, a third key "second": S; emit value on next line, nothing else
{"hour": 4, "minute": 33}
